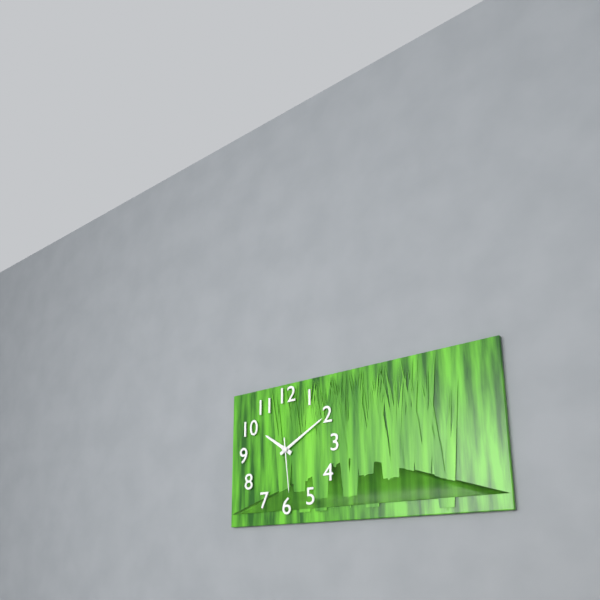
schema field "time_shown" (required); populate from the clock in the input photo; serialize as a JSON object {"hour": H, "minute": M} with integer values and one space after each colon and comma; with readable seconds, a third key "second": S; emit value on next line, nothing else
{"hour": 10, "minute": 10, "second": 29}
